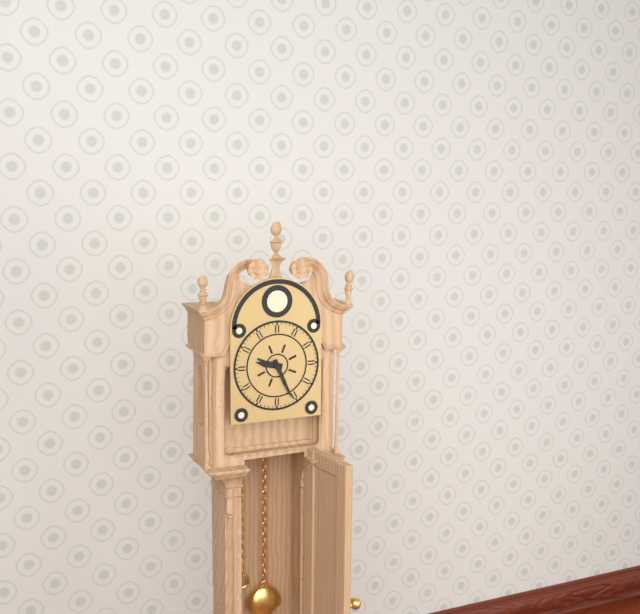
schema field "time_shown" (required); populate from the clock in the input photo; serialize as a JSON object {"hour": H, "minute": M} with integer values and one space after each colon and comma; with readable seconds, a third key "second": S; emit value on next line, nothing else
{"hour": 9, "minute": 26}
